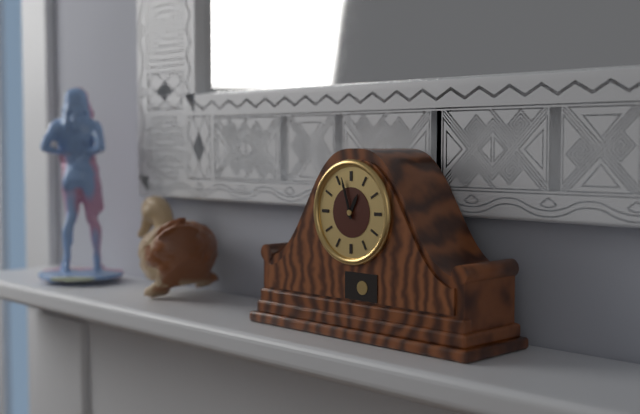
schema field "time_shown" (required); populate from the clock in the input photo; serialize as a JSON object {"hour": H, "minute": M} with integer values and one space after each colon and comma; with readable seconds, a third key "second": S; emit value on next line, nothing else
{"hour": 12, "minute": 57}
